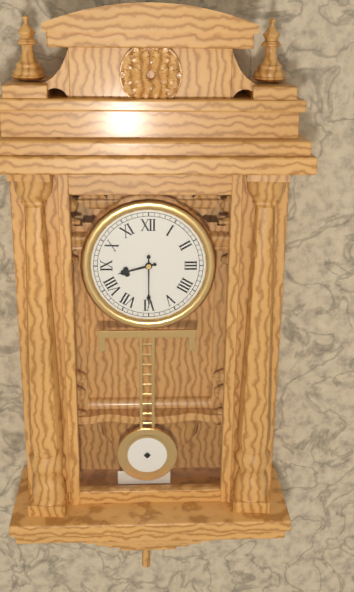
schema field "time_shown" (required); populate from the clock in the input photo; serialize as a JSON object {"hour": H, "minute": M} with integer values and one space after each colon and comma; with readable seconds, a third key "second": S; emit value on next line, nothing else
{"hour": 8, "minute": 30}
